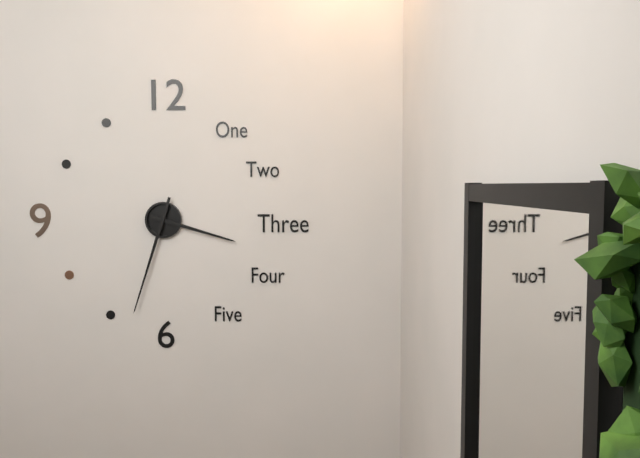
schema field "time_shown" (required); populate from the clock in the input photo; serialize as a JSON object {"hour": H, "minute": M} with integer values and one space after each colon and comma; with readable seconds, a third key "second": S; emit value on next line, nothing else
{"hour": 3, "minute": 33}
